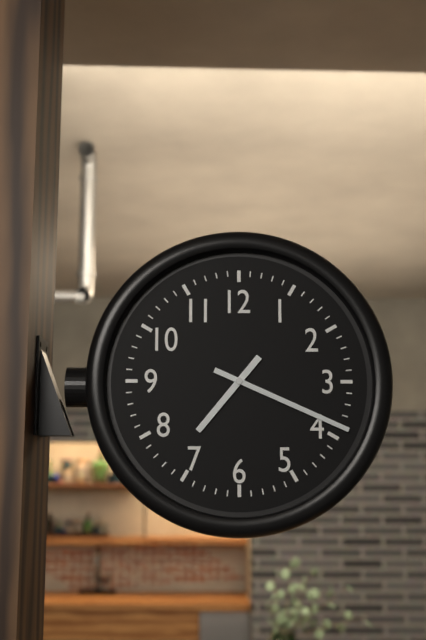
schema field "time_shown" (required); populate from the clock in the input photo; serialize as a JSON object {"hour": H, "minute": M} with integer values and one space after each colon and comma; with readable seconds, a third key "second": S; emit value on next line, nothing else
{"hour": 7, "minute": 19}
